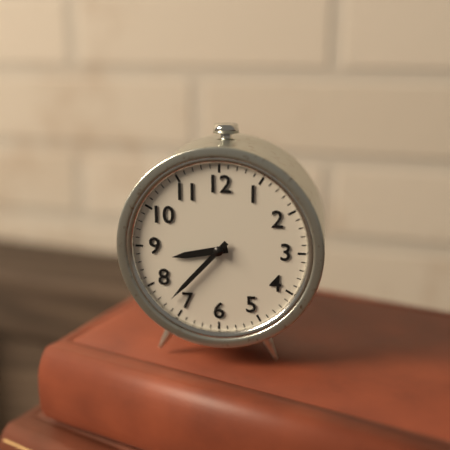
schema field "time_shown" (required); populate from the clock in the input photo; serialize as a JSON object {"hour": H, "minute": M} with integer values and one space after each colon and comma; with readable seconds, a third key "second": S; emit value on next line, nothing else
{"hour": 8, "minute": 37}
